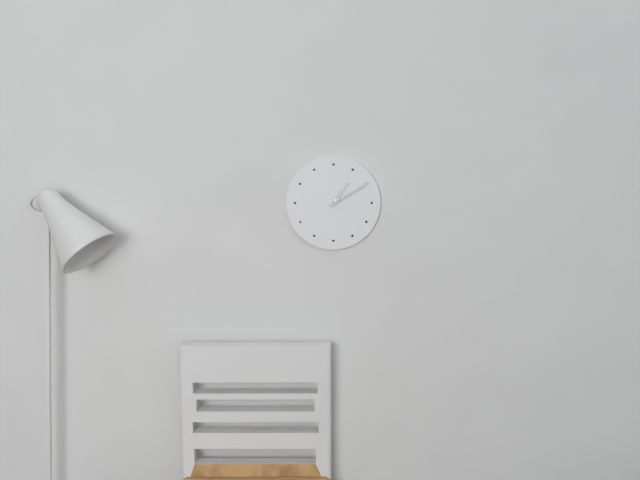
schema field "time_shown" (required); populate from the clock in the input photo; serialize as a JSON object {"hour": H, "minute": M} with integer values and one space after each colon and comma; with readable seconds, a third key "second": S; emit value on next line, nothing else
{"hour": 1, "minute": 10}
